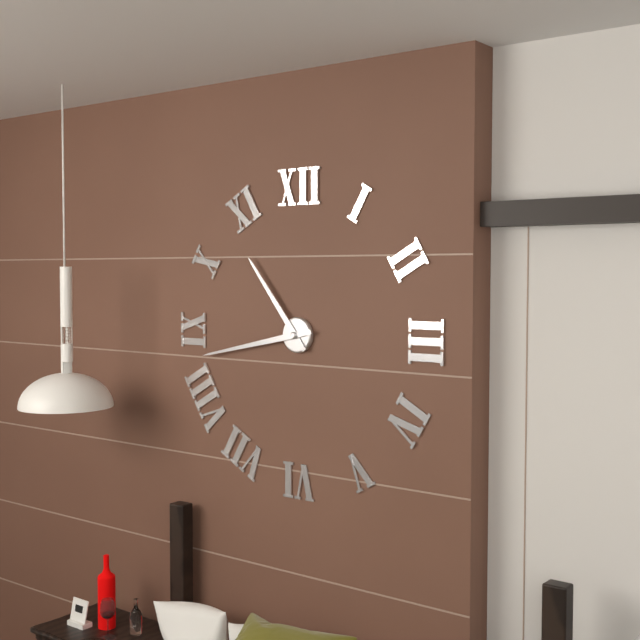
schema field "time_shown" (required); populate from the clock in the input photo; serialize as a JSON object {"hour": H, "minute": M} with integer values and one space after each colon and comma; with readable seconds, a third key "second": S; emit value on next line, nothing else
{"hour": 10, "minute": 43}
